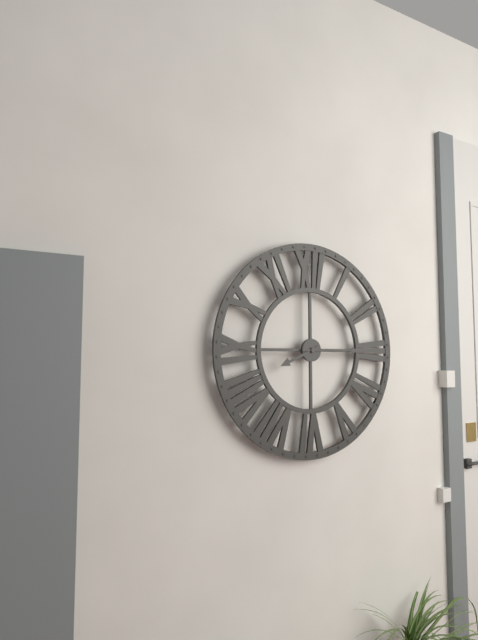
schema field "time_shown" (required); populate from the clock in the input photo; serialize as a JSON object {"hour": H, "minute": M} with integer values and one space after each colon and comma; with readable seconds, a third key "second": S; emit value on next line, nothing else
{"hour": 8, "minute": 15}
